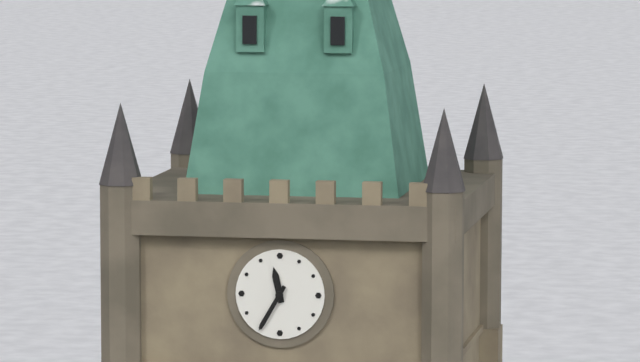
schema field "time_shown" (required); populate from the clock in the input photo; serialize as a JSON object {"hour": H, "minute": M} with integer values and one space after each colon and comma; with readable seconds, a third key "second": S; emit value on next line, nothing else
{"hour": 11, "minute": 35}
